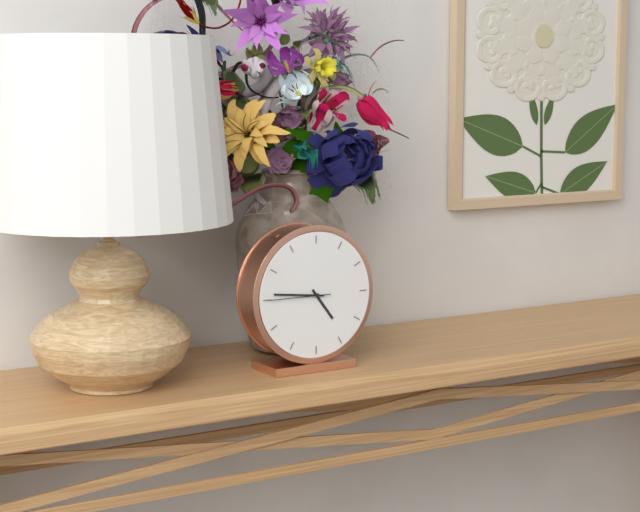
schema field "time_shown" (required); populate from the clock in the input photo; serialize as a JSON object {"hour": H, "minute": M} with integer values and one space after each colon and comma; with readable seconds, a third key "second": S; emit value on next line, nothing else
{"hour": 4, "minute": 46, "second": 45}
